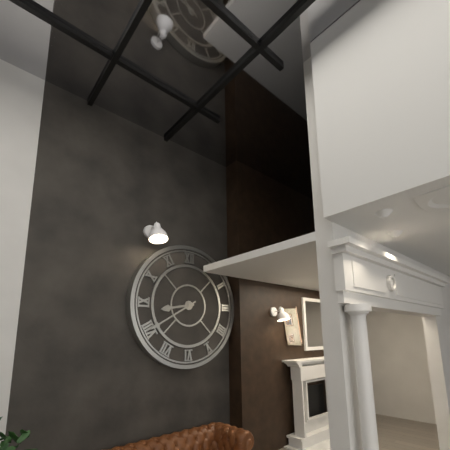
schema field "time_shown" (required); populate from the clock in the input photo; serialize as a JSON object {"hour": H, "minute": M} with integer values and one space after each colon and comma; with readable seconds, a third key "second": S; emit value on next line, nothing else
{"hour": 8, "minute": 40}
